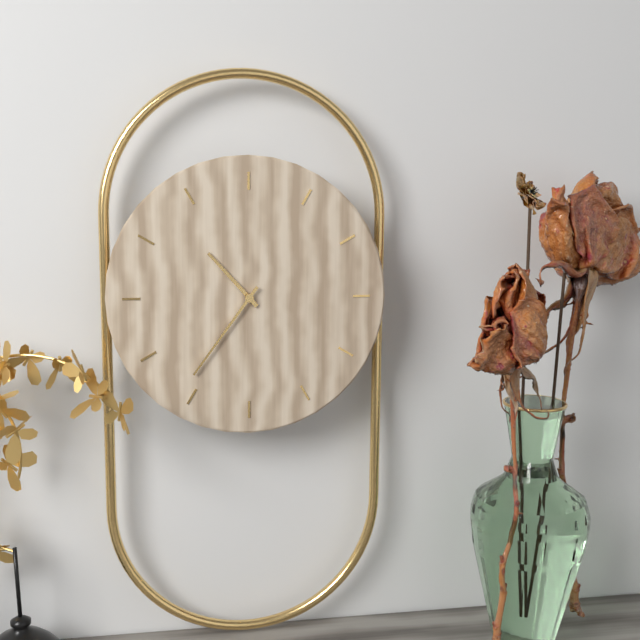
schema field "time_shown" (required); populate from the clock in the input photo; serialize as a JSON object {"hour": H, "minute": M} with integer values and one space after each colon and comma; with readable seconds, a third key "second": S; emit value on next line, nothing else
{"hour": 10, "minute": 36}
